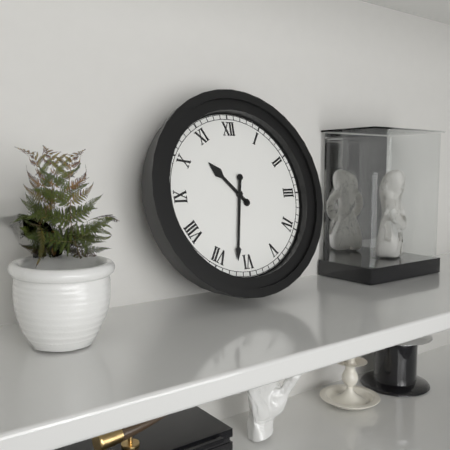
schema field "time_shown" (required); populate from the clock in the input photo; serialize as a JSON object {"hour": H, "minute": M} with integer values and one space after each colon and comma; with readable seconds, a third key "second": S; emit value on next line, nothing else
{"hour": 10, "minute": 32}
